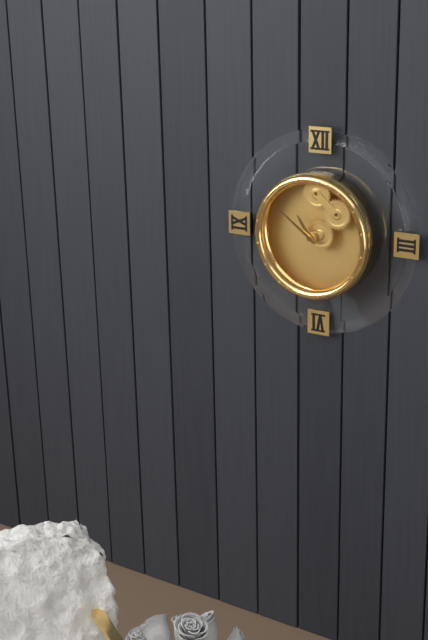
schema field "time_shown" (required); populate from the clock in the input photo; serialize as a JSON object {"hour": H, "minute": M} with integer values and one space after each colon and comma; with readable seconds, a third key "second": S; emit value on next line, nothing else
{"hour": 10, "minute": 51}
